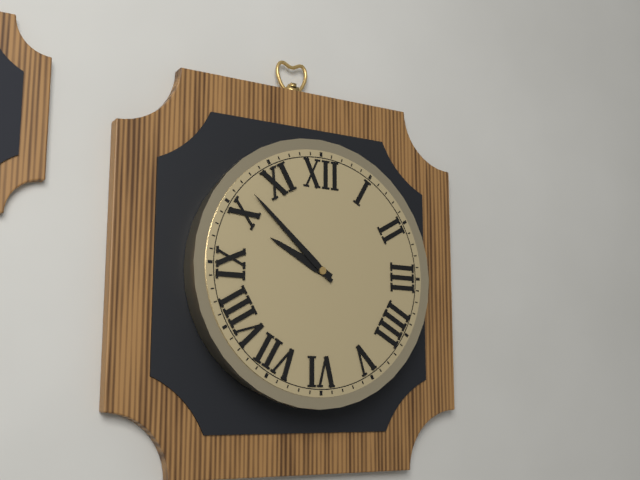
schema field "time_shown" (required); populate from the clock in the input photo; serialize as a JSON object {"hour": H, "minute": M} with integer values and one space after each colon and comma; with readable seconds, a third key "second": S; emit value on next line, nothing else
{"hour": 9, "minute": 52}
